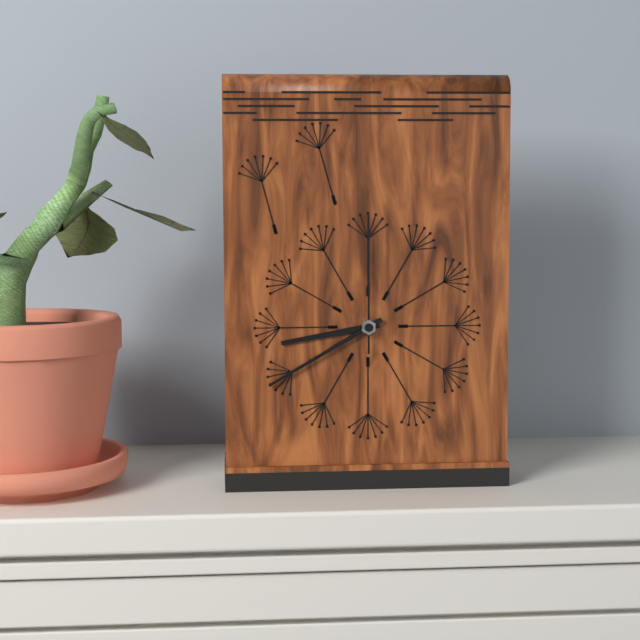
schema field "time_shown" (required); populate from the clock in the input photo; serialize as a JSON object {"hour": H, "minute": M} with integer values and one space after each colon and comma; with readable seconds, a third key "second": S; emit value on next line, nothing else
{"hour": 8, "minute": 40, "second": 0}
